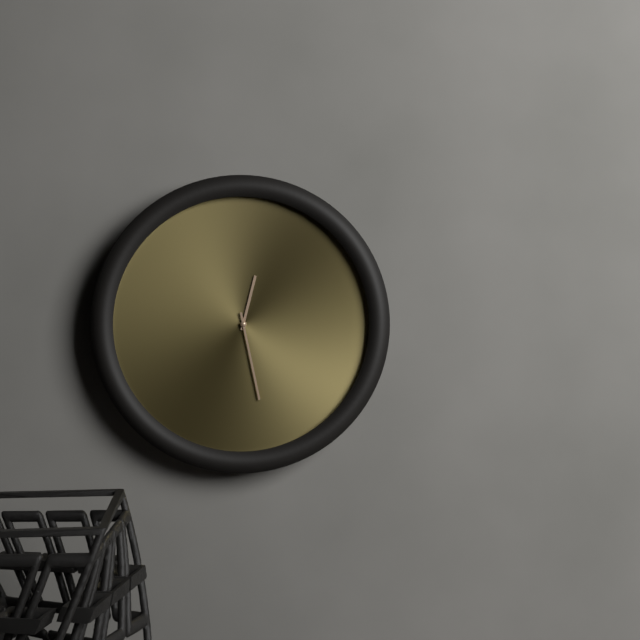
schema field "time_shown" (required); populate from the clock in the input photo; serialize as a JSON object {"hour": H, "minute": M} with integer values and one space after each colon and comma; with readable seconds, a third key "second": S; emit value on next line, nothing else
{"hour": 12, "minute": 28}
